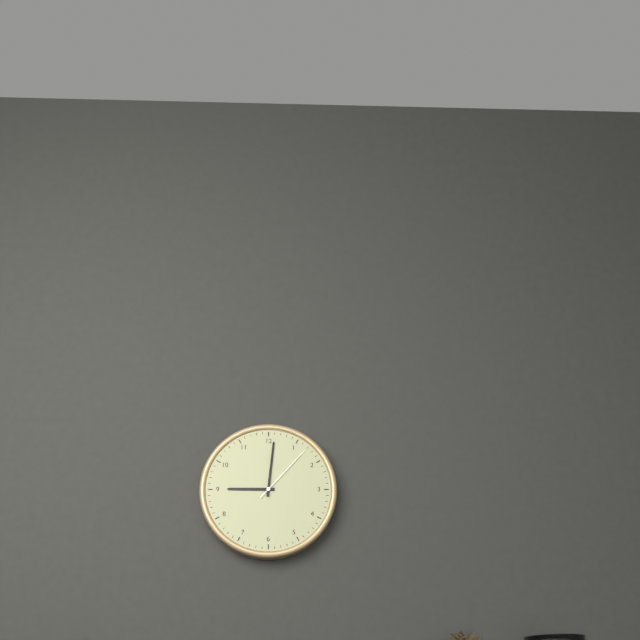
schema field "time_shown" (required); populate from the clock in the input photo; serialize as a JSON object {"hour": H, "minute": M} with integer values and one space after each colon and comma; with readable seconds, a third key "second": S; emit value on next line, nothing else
{"hour": 9, "minute": 1, "second": 7}
